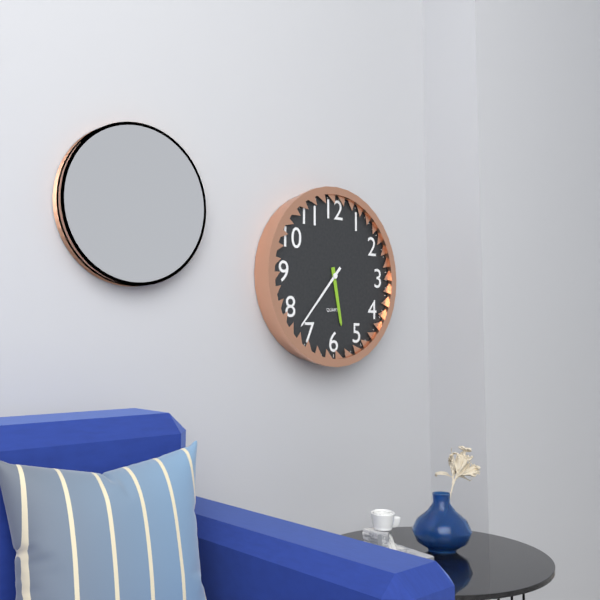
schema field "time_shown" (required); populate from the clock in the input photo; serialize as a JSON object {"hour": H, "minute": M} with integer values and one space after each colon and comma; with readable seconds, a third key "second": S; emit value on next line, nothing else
{"hour": 5, "minute": 37}
